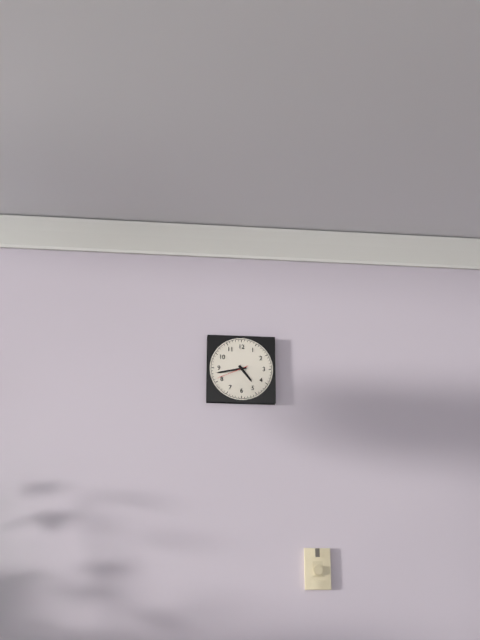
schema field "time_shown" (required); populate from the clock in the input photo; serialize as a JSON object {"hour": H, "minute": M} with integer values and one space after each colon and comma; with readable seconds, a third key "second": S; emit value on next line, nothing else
{"hour": 4, "minute": 43}
